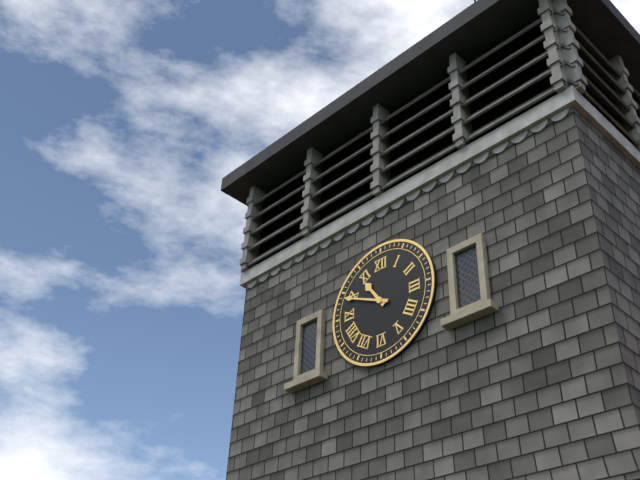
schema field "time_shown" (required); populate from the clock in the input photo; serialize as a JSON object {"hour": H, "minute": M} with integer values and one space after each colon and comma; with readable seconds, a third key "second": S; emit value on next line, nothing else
{"hour": 10, "minute": 49}
